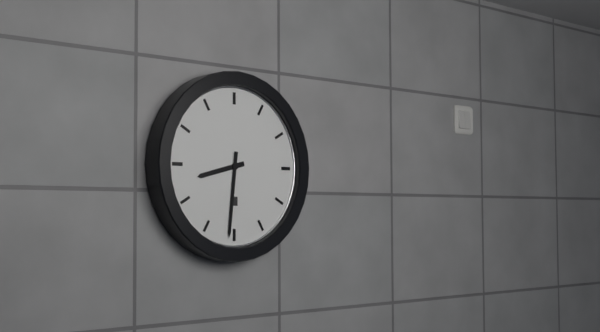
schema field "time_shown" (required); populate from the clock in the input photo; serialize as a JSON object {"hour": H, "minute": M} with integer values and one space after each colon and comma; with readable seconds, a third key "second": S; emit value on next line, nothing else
{"hour": 8, "minute": 31}
